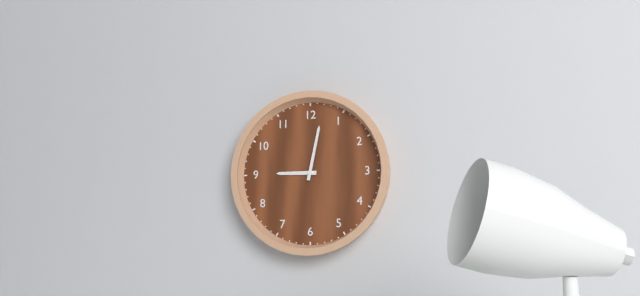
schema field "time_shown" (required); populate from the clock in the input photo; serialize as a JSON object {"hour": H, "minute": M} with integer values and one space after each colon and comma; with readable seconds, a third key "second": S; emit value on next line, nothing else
{"hour": 9, "minute": 2}
